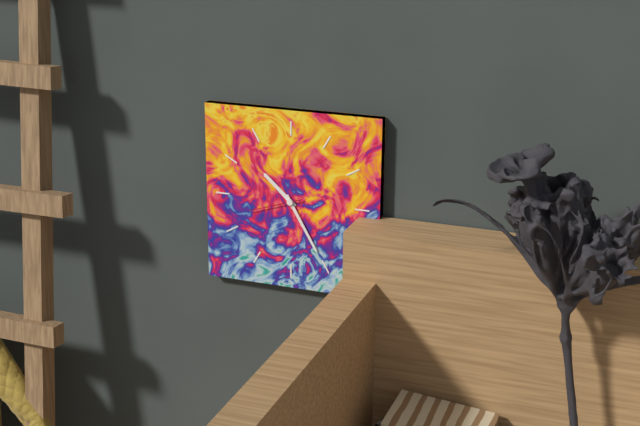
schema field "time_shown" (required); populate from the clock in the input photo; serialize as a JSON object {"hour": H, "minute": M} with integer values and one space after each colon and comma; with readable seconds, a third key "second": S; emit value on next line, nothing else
{"hour": 10, "minute": 25, "second": 42}
